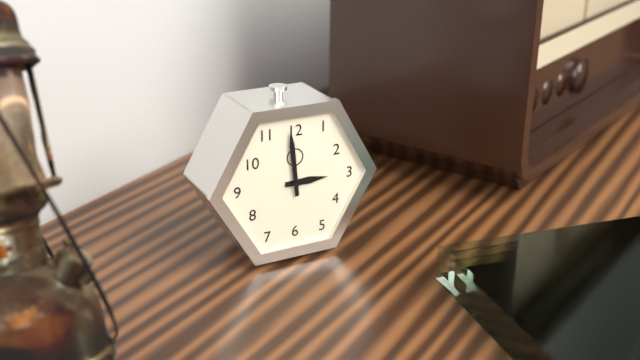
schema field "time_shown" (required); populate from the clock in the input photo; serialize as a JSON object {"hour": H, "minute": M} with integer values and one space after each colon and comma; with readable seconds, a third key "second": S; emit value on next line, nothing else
{"hour": 2, "minute": 59}
